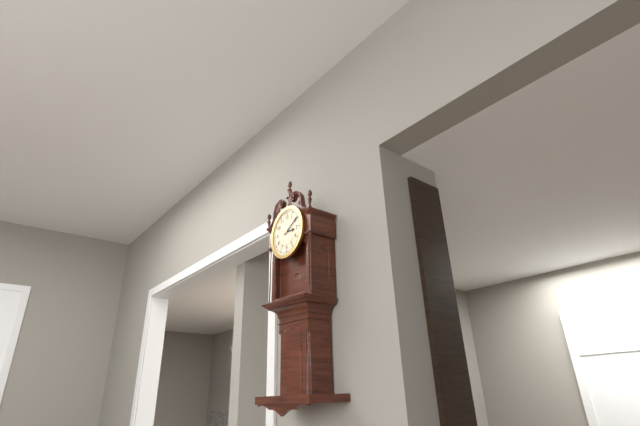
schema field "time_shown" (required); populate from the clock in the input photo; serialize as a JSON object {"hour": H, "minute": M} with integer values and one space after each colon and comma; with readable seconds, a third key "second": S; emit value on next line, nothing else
{"hour": 3, "minute": 10}
